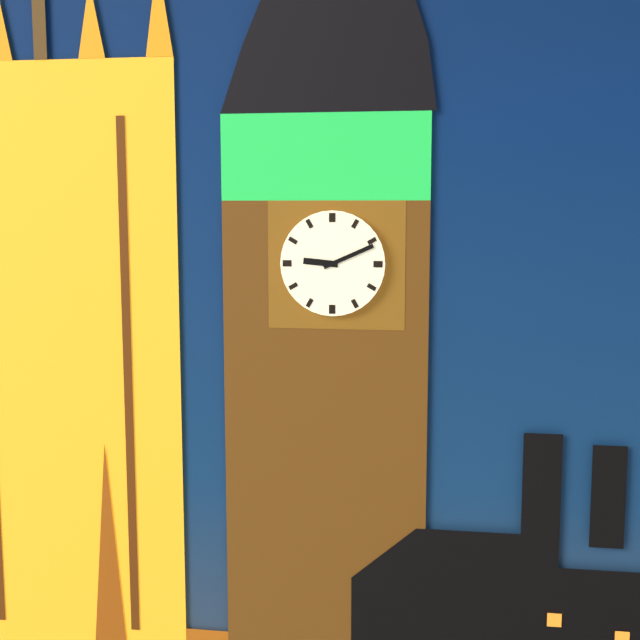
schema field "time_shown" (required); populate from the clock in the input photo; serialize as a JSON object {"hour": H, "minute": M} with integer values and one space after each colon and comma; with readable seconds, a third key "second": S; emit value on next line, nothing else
{"hour": 9, "minute": 11}
